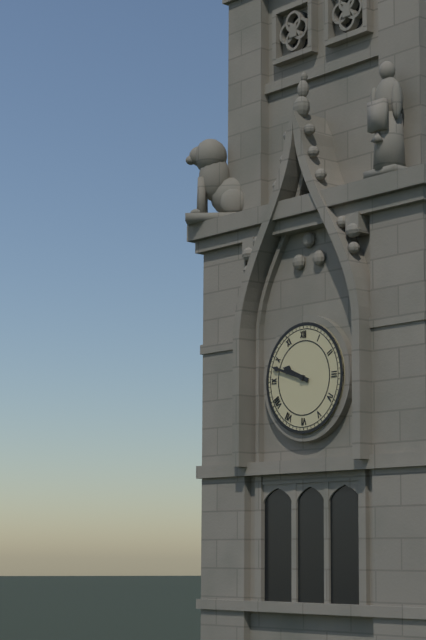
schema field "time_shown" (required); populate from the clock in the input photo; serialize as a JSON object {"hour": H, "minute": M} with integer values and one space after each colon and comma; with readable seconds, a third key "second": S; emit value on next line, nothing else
{"hour": 9, "minute": 48}
